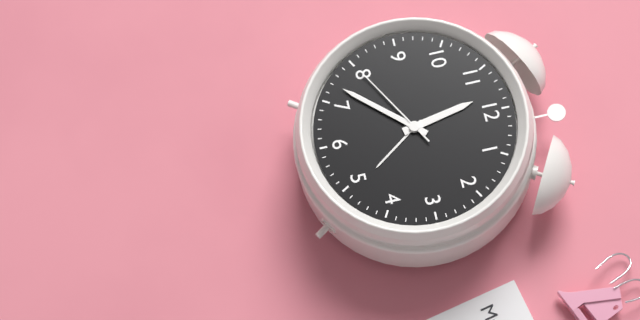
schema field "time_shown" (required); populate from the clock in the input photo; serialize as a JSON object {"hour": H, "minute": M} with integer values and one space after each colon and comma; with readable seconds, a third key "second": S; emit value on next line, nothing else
{"hour": 11, "minute": 37, "second": 40}
